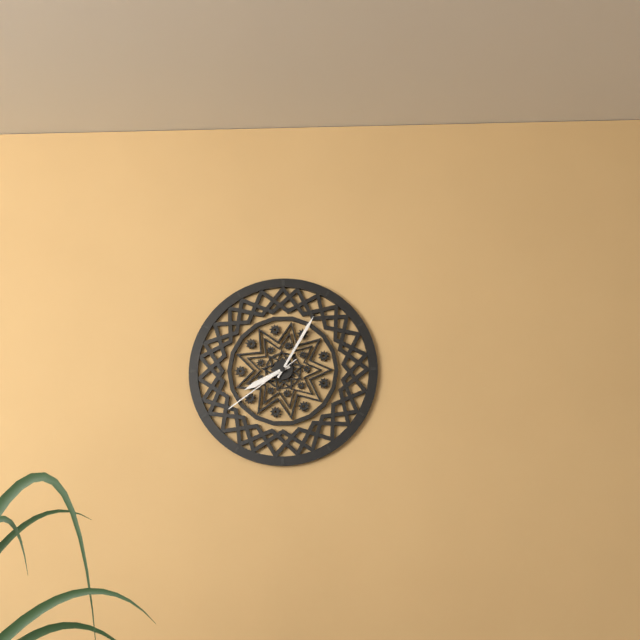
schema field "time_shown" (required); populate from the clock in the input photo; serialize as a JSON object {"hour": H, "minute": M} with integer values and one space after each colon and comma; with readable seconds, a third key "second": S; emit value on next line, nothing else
{"hour": 8, "minute": 5, "second": 39}
